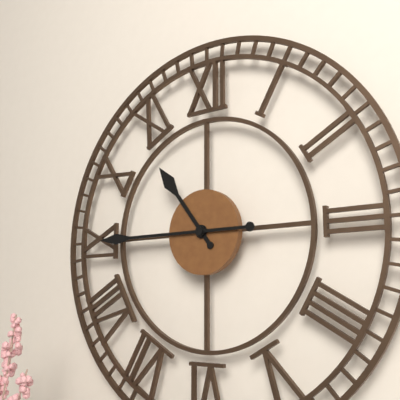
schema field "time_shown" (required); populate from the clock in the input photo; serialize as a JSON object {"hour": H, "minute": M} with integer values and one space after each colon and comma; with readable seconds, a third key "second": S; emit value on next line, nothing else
{"hour": 10, "minute": 45}
